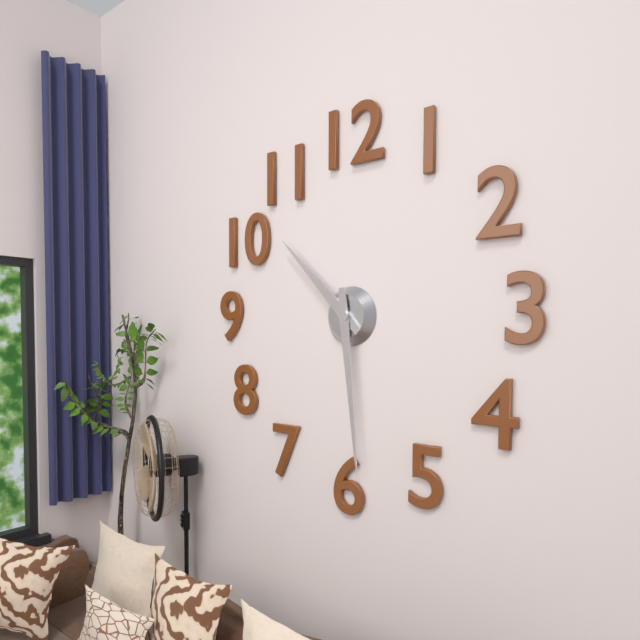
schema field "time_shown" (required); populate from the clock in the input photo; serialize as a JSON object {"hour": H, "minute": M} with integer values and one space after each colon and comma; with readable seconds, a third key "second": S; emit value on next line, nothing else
{"hour": 10, "minute": 29}
